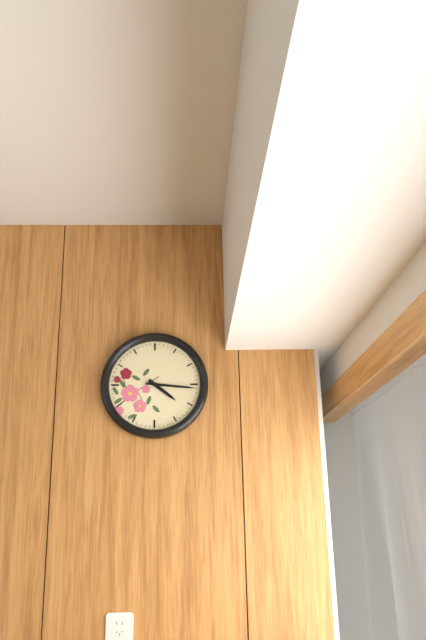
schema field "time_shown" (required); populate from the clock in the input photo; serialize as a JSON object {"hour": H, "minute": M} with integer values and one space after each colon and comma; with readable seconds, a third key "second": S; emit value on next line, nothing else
{"hour": 4, "minute": 16}
